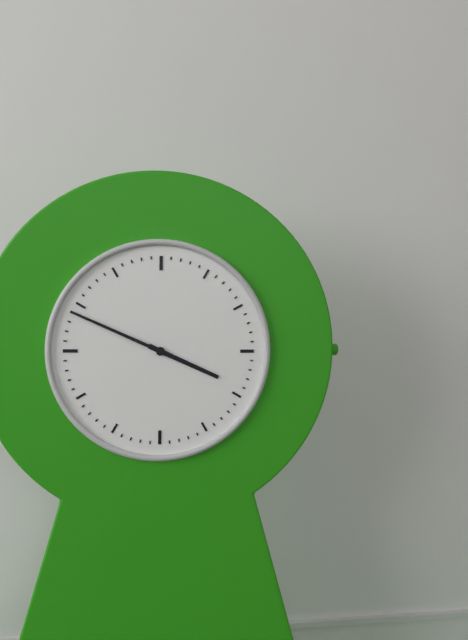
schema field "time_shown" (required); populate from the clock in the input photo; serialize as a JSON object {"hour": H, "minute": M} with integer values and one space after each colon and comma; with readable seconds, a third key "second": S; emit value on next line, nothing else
{"hour": 3, "minute": 49}
